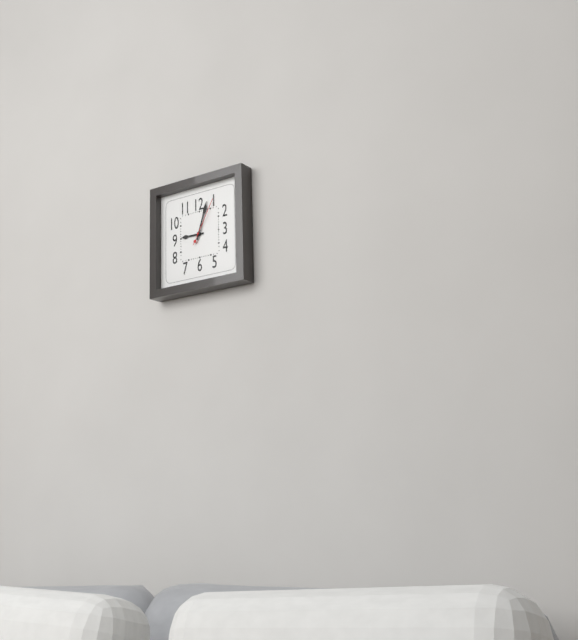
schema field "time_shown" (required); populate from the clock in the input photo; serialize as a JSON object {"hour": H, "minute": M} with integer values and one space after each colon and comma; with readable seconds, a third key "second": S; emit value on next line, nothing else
{"hour": 9, "minute": 3}
